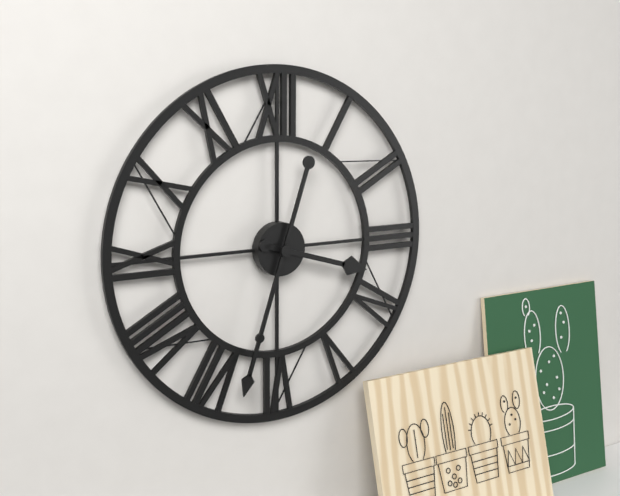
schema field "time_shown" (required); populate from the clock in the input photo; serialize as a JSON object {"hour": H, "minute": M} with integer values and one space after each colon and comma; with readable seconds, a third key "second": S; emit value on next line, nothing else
{"hour": 3, "minute": 33}
